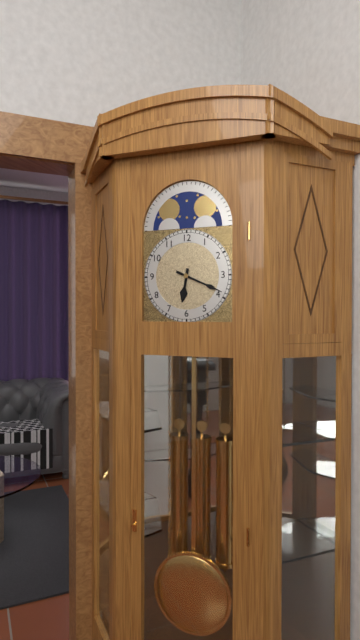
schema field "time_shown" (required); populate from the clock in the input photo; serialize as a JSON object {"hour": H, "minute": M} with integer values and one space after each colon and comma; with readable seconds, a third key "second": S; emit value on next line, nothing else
{"hour": 6, "minute": 19}
